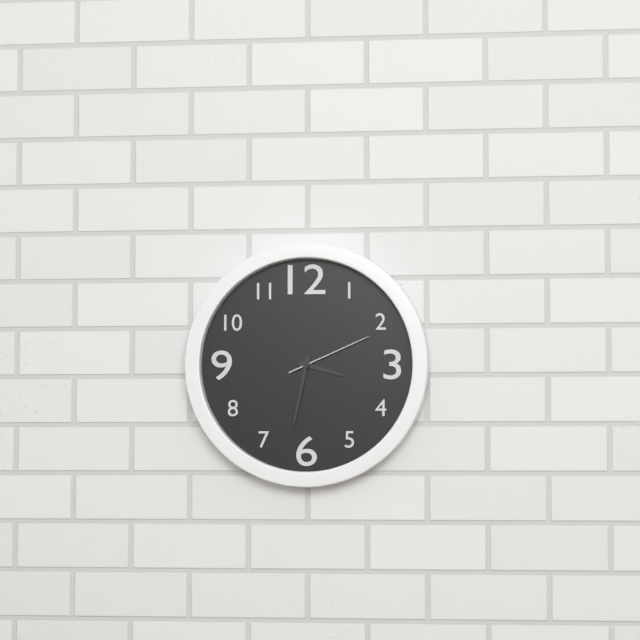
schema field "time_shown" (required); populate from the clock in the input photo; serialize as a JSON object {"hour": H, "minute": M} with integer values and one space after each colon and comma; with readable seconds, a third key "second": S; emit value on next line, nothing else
{"hour": 3, "minute": 32, "second": 11}
